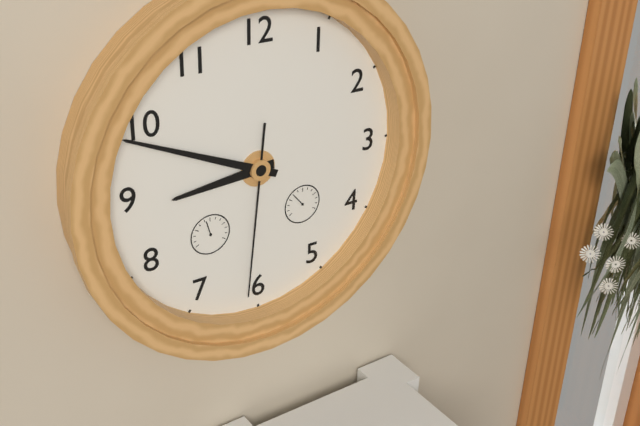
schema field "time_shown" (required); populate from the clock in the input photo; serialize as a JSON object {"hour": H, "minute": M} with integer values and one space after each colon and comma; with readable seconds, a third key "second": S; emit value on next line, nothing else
{"hour": 8, "minute": 49, "second": 31}
